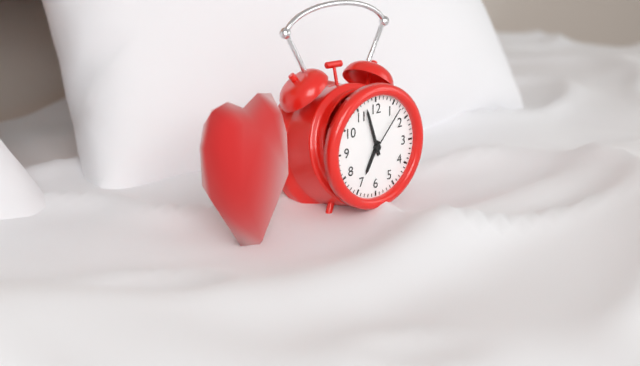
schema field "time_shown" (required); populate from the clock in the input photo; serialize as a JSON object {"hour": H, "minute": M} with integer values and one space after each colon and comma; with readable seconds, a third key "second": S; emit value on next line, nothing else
{"hour": 6, "minute": 57, "second": 7}
